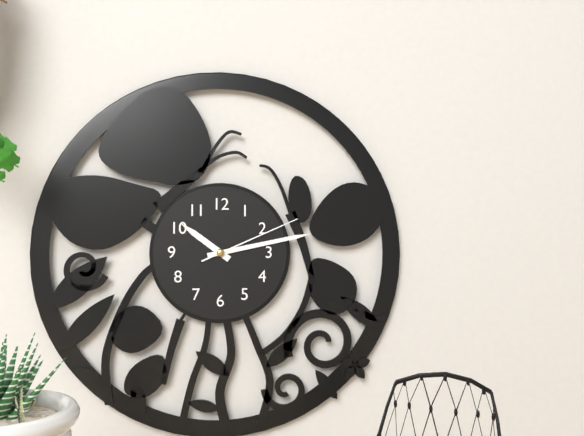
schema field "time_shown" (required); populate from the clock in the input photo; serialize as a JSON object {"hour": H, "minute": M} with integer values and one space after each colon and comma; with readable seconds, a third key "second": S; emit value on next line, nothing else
{"hour": 10, "minute": 13, "second": 11}
